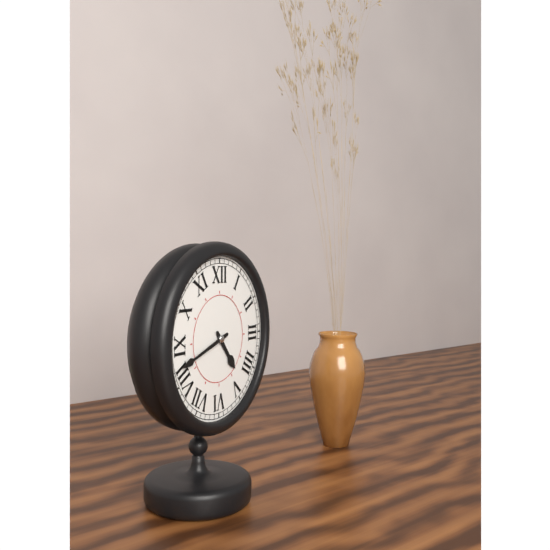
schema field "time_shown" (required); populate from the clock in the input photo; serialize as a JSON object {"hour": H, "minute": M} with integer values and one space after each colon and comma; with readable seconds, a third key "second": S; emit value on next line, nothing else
{"hour": 4, "minute": 42}
